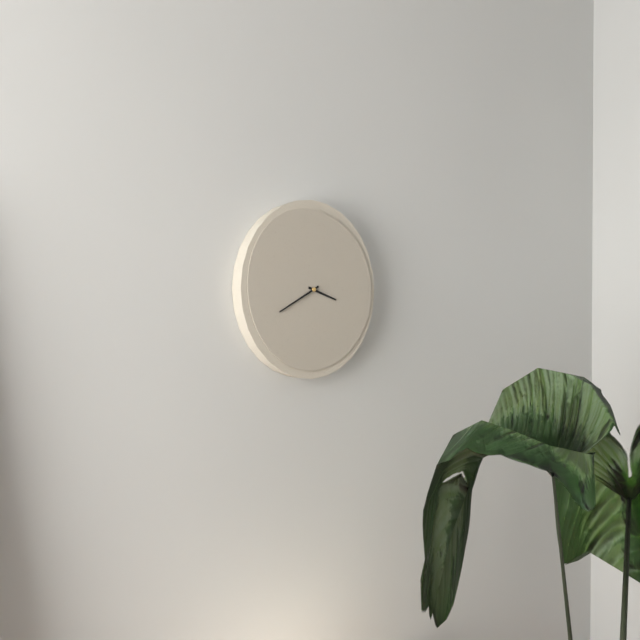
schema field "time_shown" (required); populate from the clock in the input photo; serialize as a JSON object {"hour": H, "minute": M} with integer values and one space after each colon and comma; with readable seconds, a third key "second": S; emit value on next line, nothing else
{"hour": 3, "minute": 40}
